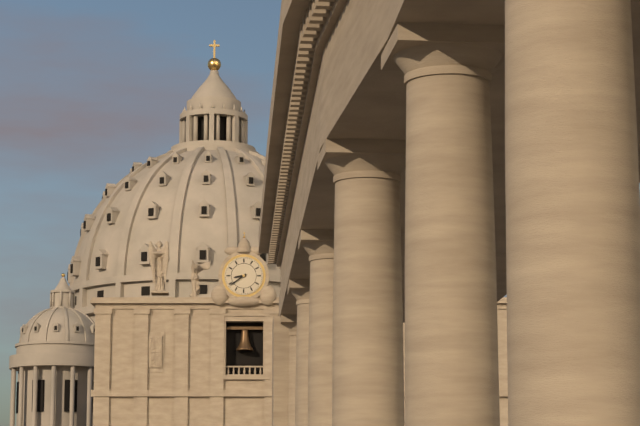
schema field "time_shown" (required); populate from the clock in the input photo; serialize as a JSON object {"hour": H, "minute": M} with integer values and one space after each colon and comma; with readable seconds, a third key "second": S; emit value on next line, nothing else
{"hour": 8, "minute": 39}
